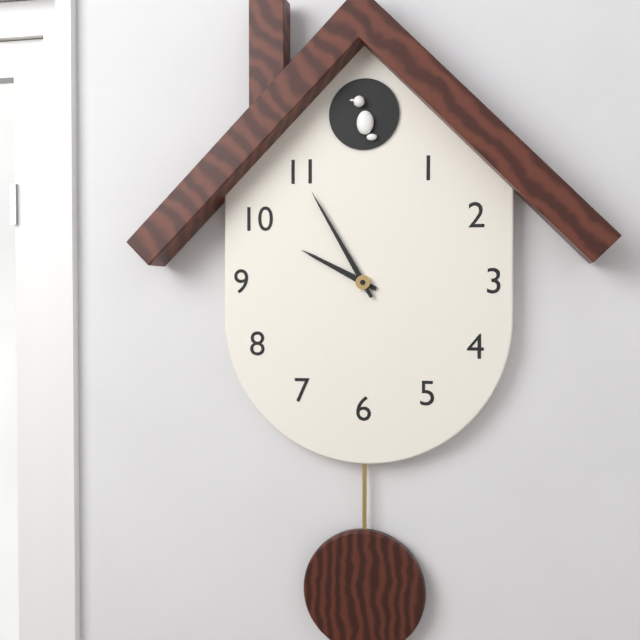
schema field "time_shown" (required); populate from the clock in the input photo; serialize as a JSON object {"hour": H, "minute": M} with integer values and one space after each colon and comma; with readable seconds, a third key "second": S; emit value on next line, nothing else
{"hour": 9, "minute": 55}
